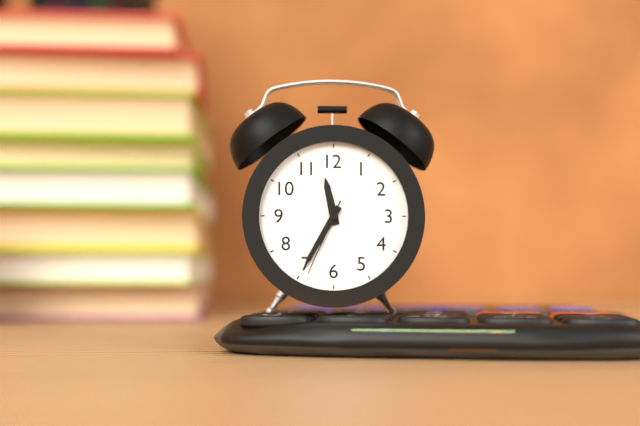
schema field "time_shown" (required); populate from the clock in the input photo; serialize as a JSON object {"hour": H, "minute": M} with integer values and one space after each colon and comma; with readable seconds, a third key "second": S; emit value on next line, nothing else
{"hour": 11, "minute": 35, "second": 34}
